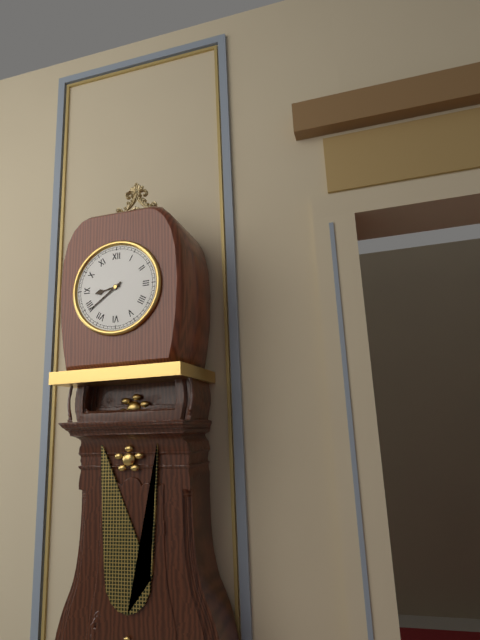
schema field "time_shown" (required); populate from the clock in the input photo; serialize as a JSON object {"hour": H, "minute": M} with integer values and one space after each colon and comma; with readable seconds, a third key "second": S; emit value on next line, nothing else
{"hour": 8, "minute": 39}
